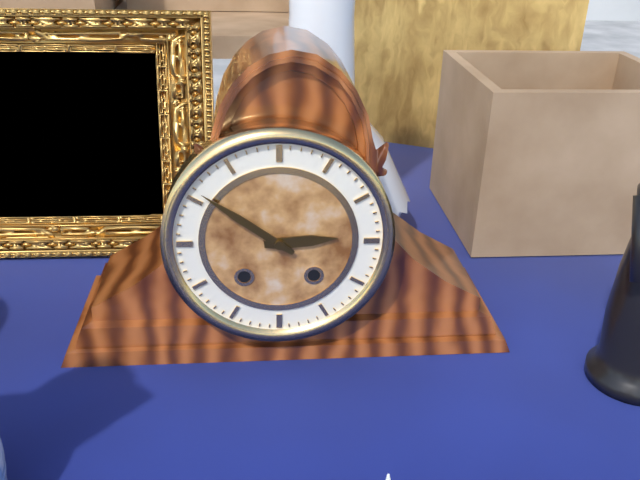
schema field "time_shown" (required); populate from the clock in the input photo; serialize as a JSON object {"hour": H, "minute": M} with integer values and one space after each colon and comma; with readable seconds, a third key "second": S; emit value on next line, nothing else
{"hour": 2, "minute": 51}
